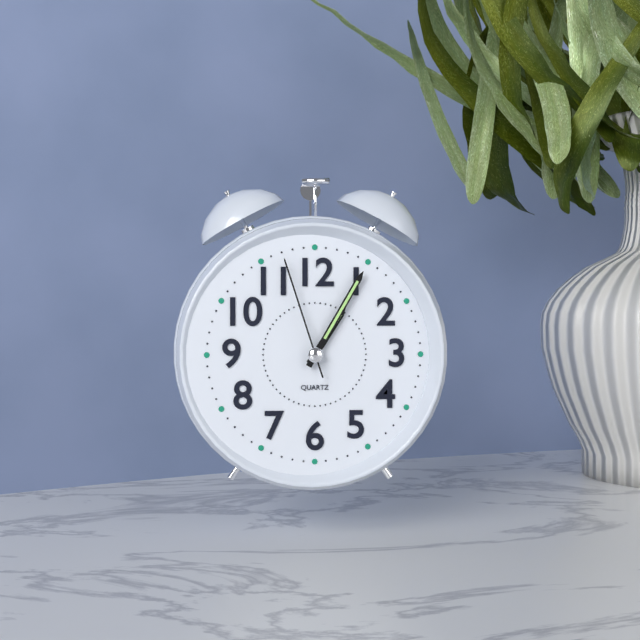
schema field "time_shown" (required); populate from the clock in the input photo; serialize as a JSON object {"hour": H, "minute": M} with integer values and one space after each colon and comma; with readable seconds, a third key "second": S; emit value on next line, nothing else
{"hour": 1, "minute": 5, "second": 57}
